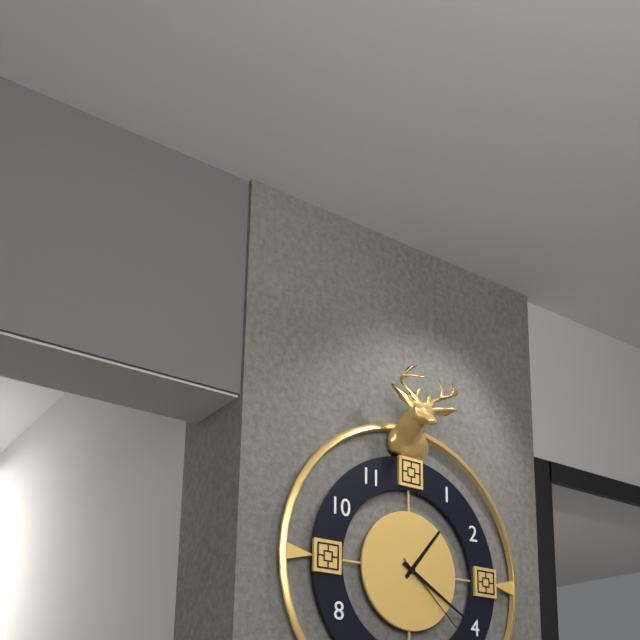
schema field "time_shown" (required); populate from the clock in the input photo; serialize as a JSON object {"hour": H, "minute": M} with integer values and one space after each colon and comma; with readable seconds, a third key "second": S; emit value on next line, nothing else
{"hour": 1, "minute": 20, "second": 22}
